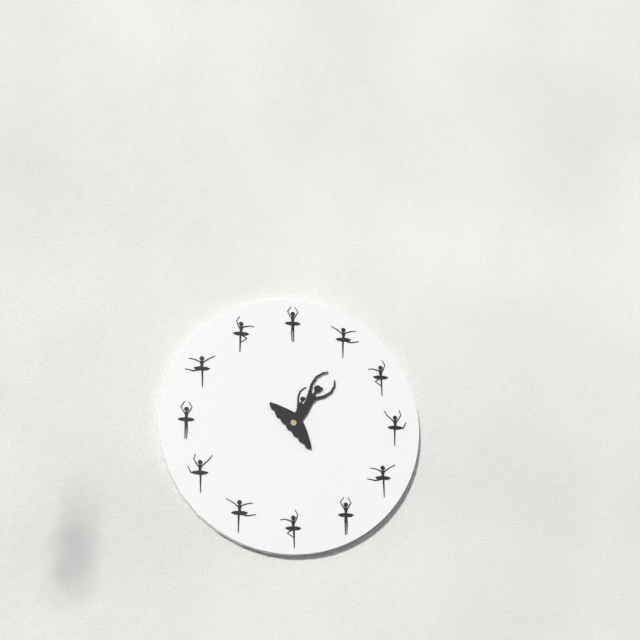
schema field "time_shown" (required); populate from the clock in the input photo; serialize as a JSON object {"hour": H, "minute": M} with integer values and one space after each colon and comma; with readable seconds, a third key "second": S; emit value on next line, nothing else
{"hour": 1, "minute": 8}
